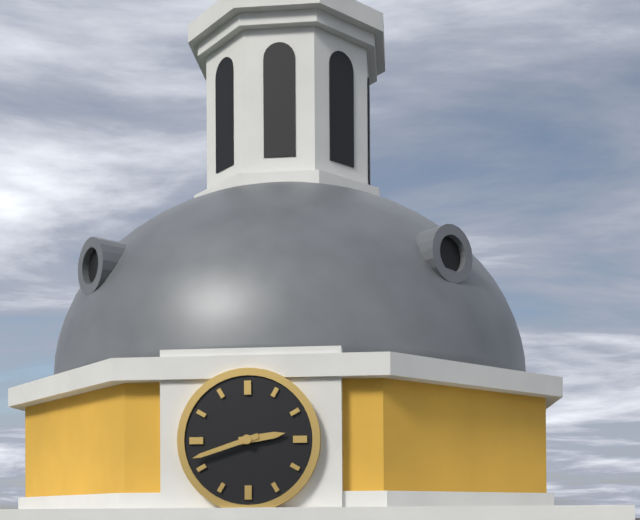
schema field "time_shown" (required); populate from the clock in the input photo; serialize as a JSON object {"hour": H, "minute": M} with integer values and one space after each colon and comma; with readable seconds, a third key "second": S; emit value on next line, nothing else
{"hour": 2, "minute": 42}
